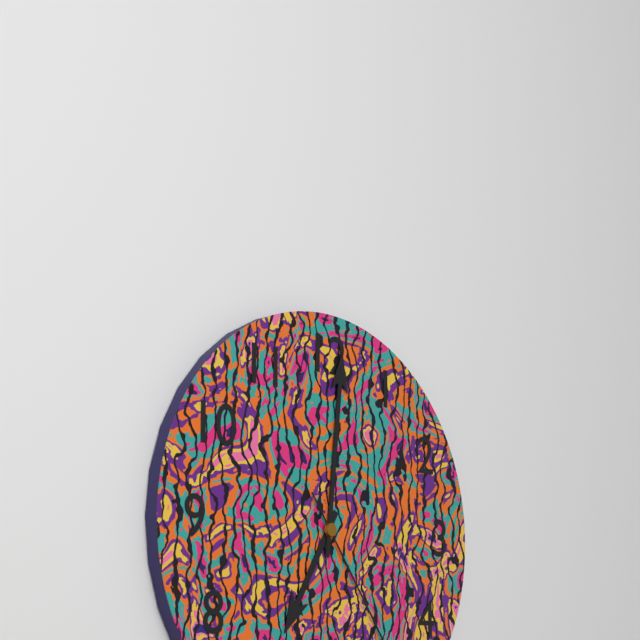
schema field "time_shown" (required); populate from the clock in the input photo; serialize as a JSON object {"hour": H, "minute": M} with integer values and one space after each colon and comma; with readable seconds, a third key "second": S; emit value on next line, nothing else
{"hour": 7, "minute": 1}
